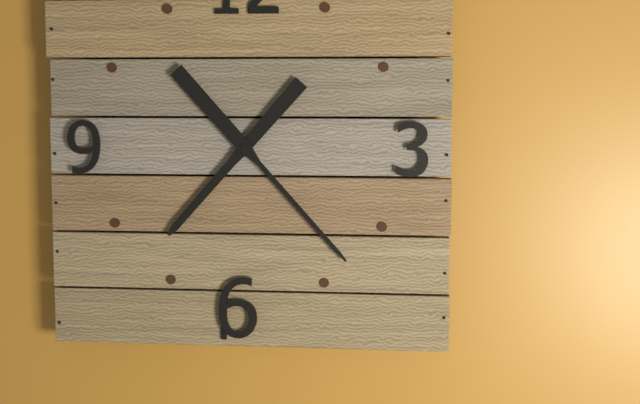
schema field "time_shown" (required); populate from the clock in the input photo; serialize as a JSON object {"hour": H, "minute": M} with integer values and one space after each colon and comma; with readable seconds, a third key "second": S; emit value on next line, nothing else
{"hour": 7, "minute": 23}
